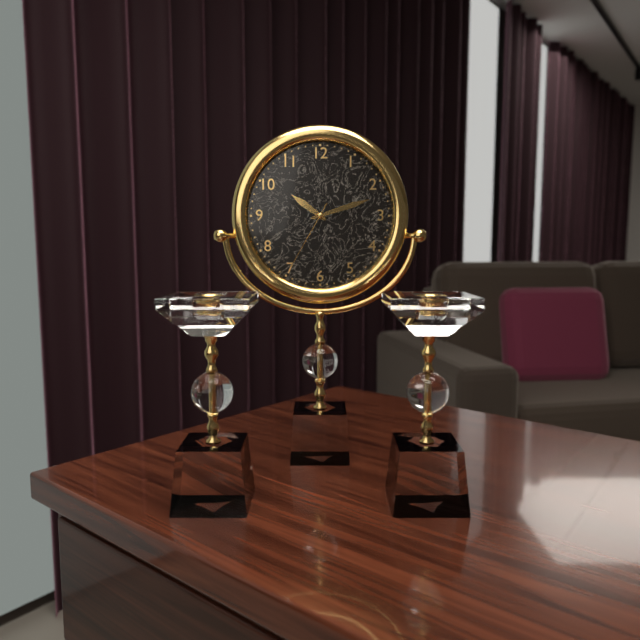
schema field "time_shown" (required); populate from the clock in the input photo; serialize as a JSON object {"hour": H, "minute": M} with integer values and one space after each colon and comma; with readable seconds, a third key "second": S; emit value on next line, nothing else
{"hour": 10, "minute": 12, "second": 35}
